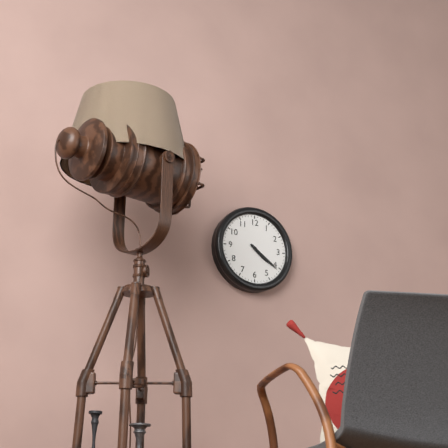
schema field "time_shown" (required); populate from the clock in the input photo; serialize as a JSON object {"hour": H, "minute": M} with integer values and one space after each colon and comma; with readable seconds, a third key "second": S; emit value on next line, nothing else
{"hour": 4, "minute": 21}
